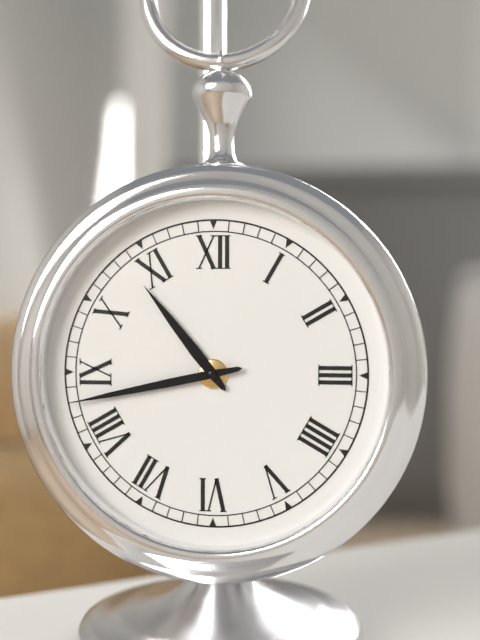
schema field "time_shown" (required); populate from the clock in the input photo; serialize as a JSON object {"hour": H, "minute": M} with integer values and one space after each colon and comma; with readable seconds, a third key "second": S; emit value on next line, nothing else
{"hour": 10, "minute": 43}
